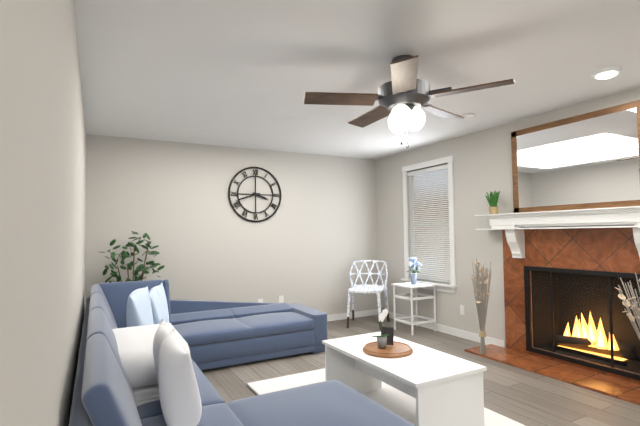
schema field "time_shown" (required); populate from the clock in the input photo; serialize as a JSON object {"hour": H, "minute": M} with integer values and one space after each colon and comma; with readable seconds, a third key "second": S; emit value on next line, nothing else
{"hour": 3, "minute": 42}
